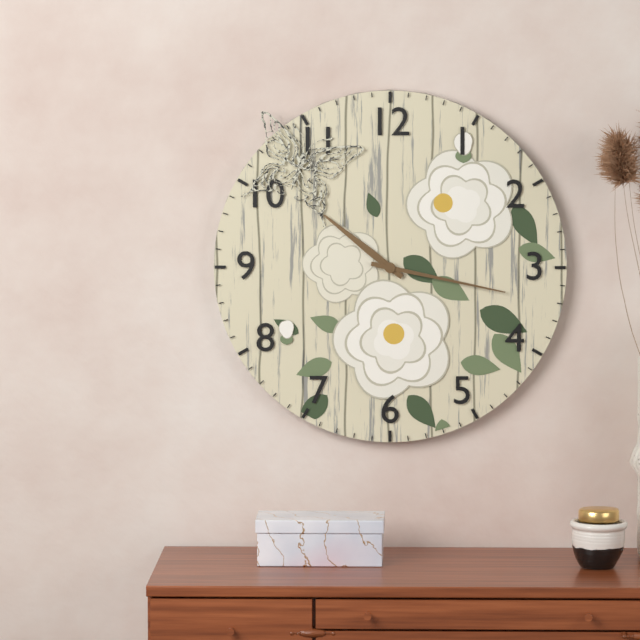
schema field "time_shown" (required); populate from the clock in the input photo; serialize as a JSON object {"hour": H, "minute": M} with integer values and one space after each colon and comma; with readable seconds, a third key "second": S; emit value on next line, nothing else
{"hour": 10, "minute": 17}
